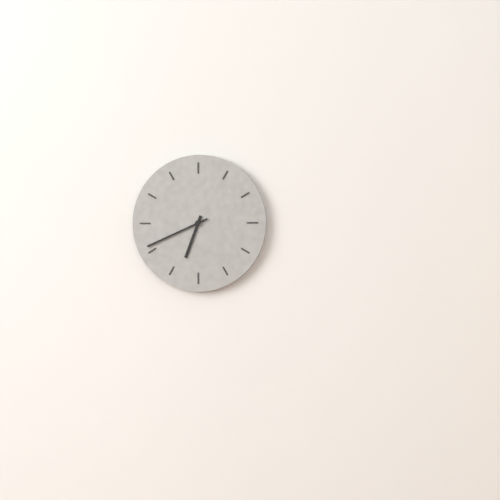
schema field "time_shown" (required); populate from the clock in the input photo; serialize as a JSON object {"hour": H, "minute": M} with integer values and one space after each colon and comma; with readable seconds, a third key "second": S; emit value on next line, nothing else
{"hour": 6, "minute": 41}
